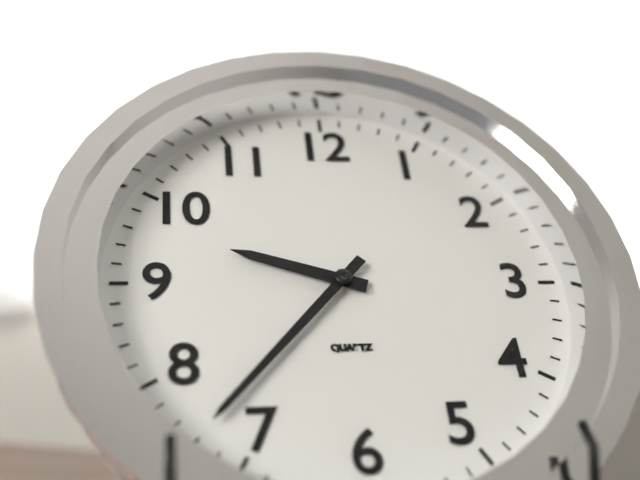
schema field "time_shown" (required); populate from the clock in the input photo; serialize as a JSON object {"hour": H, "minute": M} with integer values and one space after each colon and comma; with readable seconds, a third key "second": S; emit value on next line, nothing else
{"hour": 9, "minute": 37}
